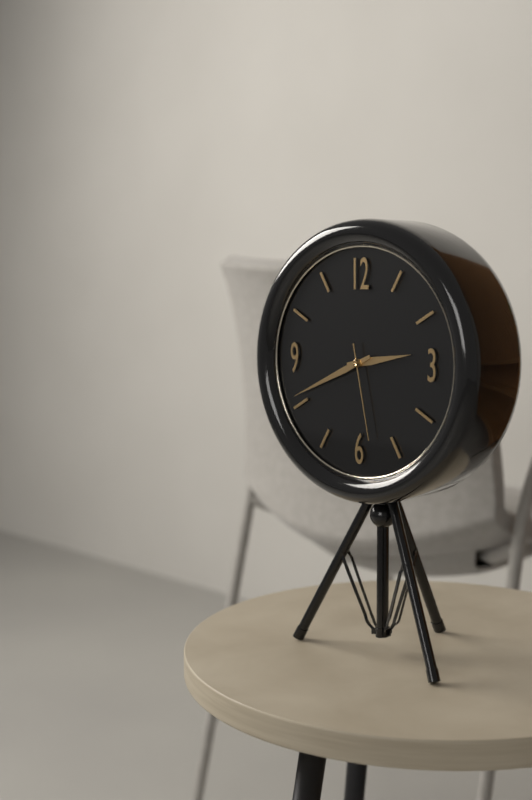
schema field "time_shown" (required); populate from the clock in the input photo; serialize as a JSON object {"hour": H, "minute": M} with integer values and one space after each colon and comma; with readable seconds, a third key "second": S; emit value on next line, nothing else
{"hour": 2, "minute": 41, "second": 28}
